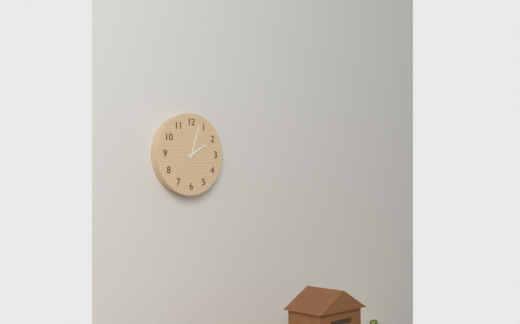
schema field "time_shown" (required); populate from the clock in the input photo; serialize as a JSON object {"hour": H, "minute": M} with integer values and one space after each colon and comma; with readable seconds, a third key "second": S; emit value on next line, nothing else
{"hour": 2, "minute": 3}
